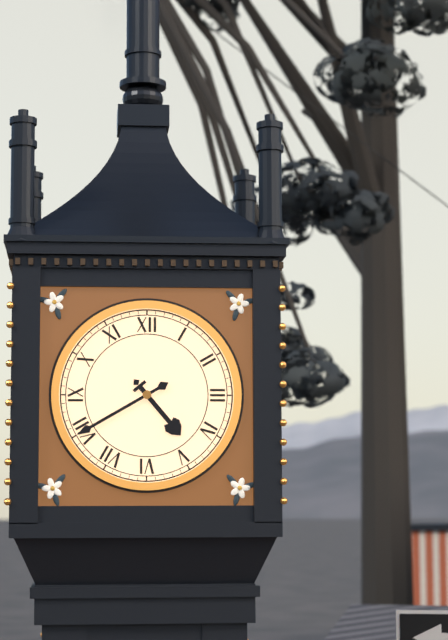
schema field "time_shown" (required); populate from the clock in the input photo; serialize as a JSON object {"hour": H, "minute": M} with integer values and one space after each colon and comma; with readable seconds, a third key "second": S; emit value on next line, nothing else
{"hour": 4, "minute": 40}
